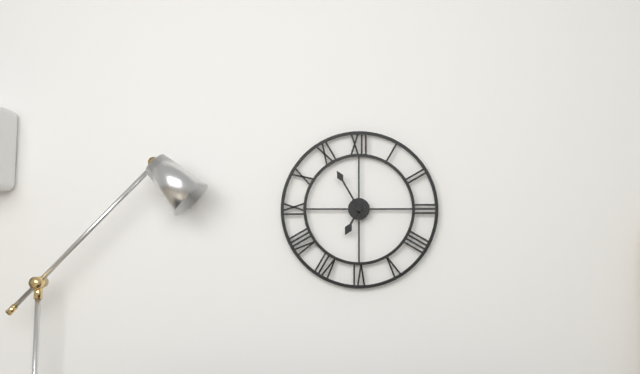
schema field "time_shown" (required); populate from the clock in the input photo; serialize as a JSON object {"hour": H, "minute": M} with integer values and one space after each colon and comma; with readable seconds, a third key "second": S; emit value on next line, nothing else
{"hour": 6, "minute": 55}
